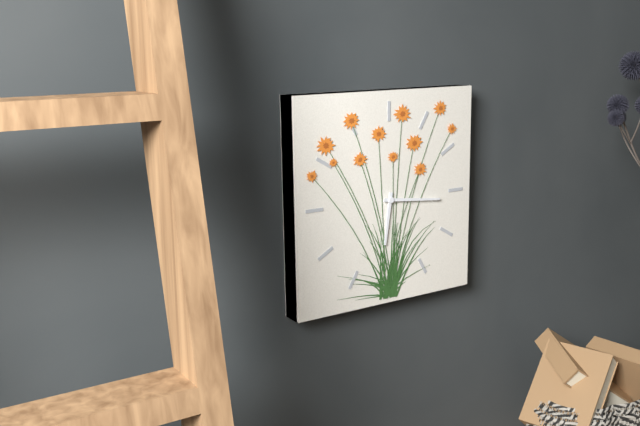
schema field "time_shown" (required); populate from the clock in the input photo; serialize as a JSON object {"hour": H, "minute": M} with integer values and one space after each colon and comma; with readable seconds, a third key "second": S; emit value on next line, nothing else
{"hour": 6, "minute": 16}
